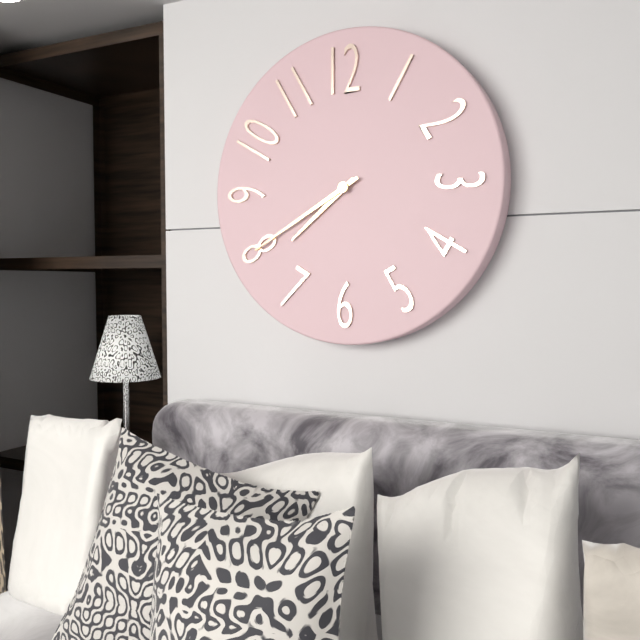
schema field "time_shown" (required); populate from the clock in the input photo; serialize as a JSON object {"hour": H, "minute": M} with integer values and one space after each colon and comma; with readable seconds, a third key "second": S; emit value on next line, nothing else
{"hour": 7, "minute": 40}
